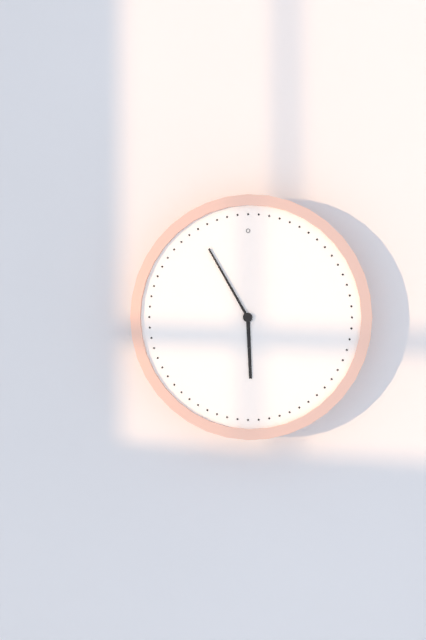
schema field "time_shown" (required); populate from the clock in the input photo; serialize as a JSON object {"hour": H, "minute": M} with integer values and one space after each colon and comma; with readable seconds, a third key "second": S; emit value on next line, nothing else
{"hour": 5, "minute": 55}
